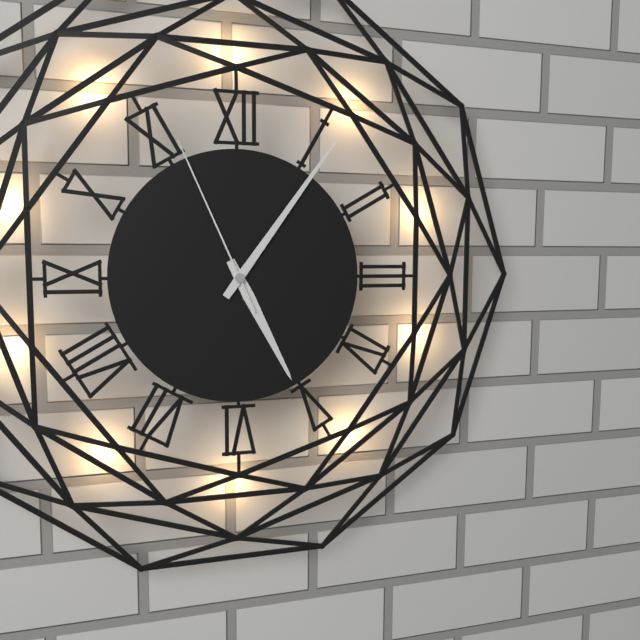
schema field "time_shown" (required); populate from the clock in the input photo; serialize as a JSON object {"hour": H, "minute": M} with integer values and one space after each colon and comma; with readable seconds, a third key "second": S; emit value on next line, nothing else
{"hour": 5, "minute": 6, "second": 56}
